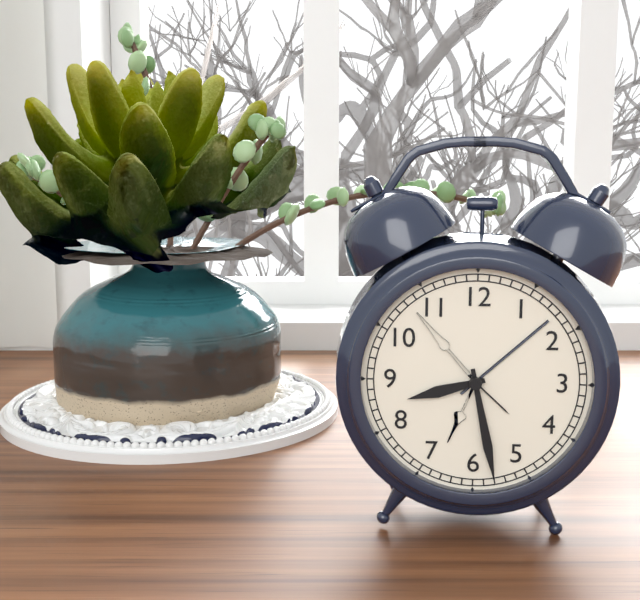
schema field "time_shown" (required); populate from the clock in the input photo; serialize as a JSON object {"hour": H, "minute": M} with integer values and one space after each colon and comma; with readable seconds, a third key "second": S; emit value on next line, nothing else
{"hour": 8, "minute": 28}
